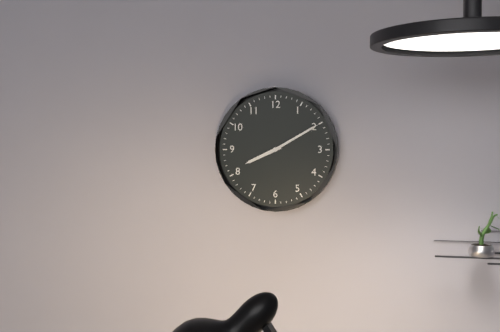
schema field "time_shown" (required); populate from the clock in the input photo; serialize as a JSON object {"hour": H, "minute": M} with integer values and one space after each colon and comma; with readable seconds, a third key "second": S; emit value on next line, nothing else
{"hour": 8, "minute": 10}
